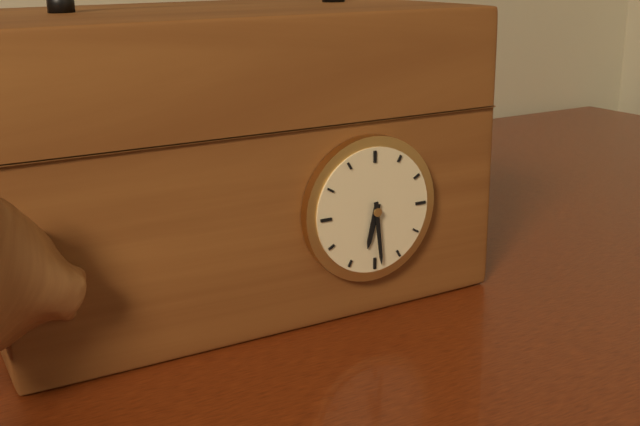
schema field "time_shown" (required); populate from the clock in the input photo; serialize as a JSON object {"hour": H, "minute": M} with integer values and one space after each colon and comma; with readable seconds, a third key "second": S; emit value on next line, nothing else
{"hour": 6, "minute": 29}
